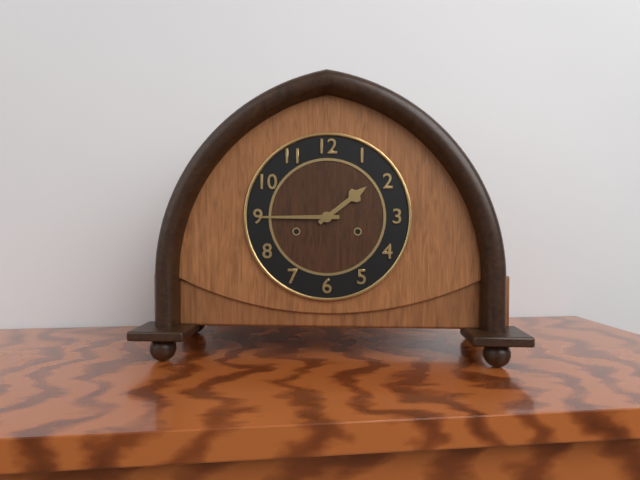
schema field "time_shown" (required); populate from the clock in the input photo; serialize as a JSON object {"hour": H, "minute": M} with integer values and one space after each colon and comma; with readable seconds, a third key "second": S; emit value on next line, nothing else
{"hour": 1, "minute": 45}
